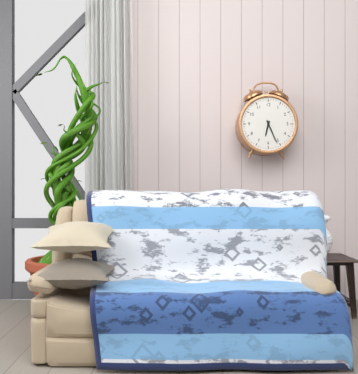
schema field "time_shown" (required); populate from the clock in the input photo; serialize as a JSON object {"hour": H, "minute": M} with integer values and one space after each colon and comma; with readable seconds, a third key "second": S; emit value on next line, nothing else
{"hour": 6, "minute": 26}
